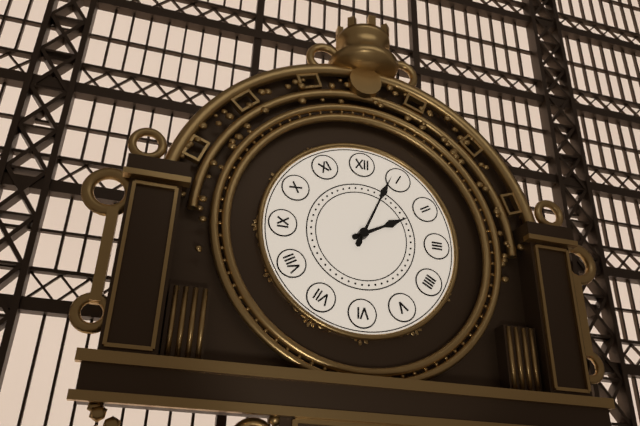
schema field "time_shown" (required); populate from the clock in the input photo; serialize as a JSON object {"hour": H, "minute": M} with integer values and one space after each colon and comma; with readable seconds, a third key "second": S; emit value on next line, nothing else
{"hour": 2, "minute": 4}
